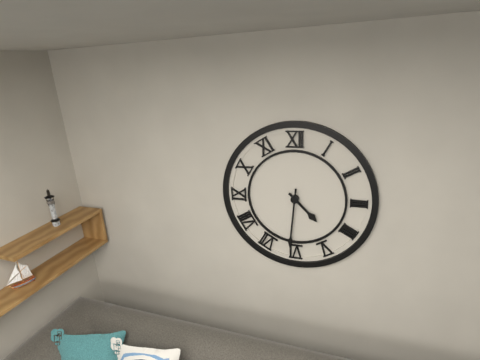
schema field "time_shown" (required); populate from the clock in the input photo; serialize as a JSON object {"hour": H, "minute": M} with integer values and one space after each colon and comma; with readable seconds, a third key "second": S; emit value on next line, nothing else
{"hour": 4, "minute": 31}
